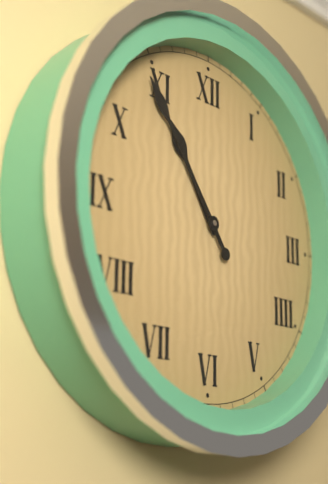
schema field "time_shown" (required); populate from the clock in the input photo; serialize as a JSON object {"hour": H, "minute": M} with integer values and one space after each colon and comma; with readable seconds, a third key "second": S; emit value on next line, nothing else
{"hour": 10, "minute": 54}
